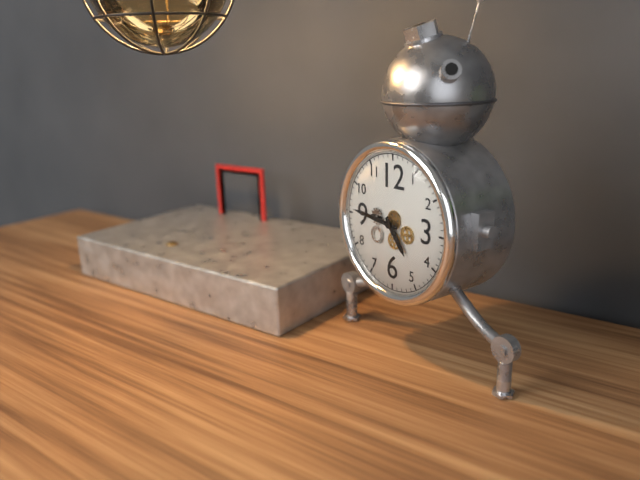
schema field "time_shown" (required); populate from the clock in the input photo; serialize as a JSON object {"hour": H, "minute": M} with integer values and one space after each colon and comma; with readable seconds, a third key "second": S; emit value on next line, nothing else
{"hour": 4, "minute": 46}
